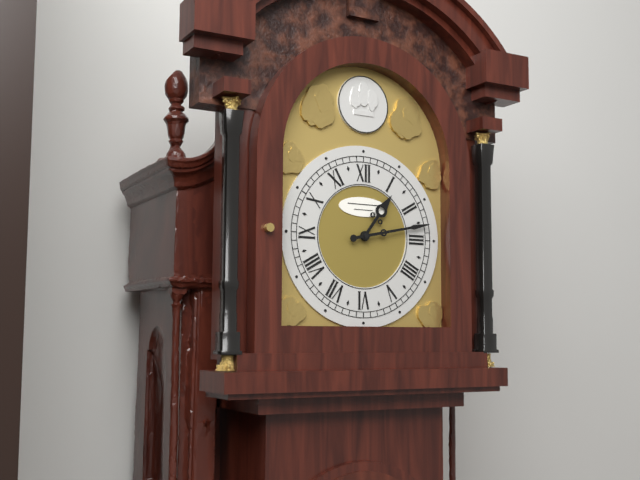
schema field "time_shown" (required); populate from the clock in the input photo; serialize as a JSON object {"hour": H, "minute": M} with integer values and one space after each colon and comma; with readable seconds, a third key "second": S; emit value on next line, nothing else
{"hour": 1, "minute": 13}
